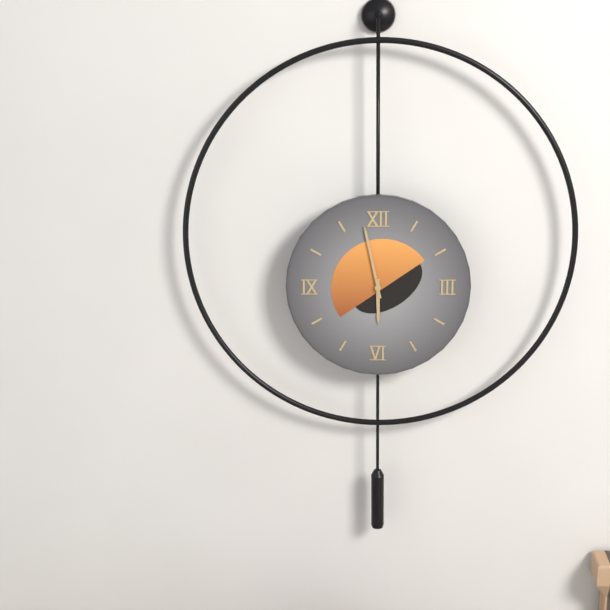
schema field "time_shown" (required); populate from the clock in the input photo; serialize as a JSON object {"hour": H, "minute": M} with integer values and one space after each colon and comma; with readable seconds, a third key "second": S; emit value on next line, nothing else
{"hour": 5, "minute": 58}
